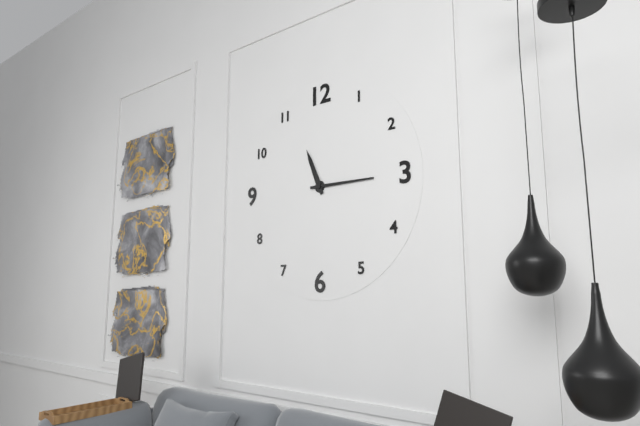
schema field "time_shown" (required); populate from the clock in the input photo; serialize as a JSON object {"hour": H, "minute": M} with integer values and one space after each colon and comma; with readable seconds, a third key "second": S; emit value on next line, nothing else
{"hour": 11, "minute": 15}
